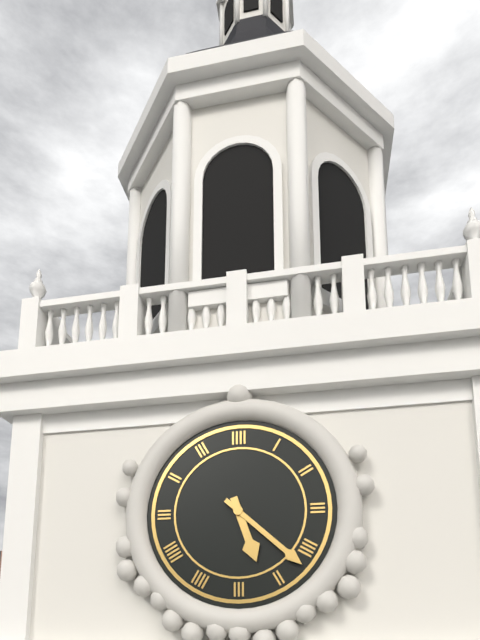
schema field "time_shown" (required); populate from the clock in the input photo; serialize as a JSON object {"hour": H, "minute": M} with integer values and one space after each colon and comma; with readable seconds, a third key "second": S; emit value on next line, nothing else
{"hour": 5, "minute": 22}
